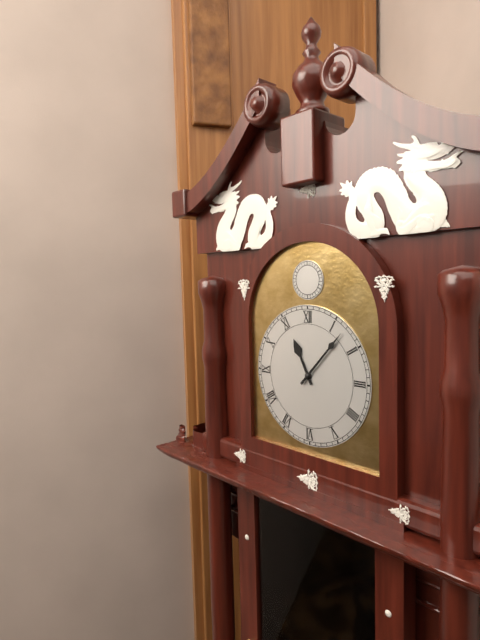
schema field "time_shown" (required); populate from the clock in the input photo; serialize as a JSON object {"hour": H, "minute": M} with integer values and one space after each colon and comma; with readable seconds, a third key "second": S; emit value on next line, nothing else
{"hour": 11, "minute": 7}
